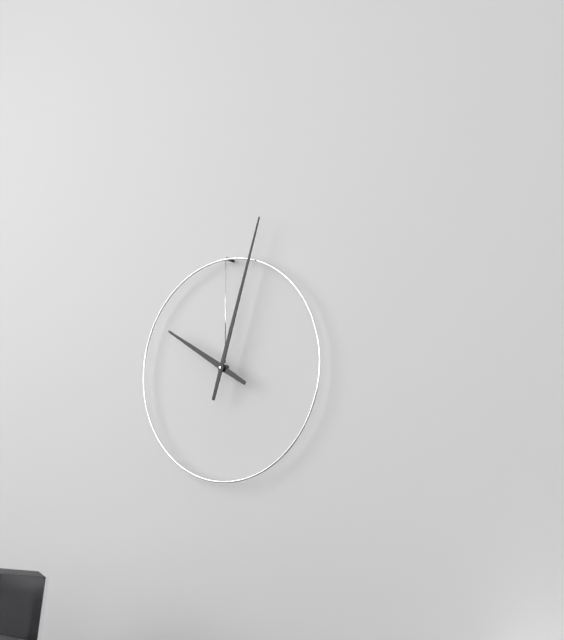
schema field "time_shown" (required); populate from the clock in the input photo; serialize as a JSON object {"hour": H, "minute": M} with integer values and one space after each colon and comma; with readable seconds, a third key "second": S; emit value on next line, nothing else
{"hour": 10, "minute": 3}
